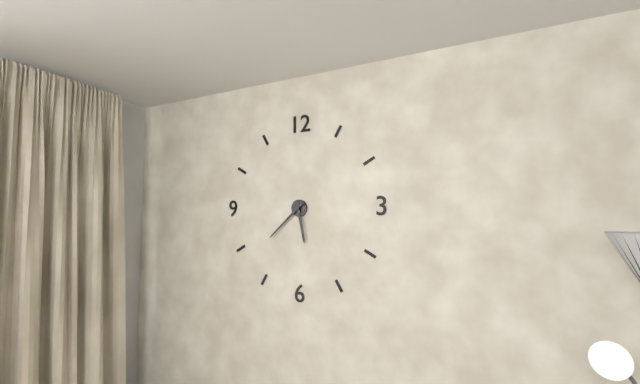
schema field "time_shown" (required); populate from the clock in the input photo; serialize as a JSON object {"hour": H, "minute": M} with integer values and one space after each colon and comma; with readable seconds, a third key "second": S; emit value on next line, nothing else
{"hour": 5, "minute": 38}
